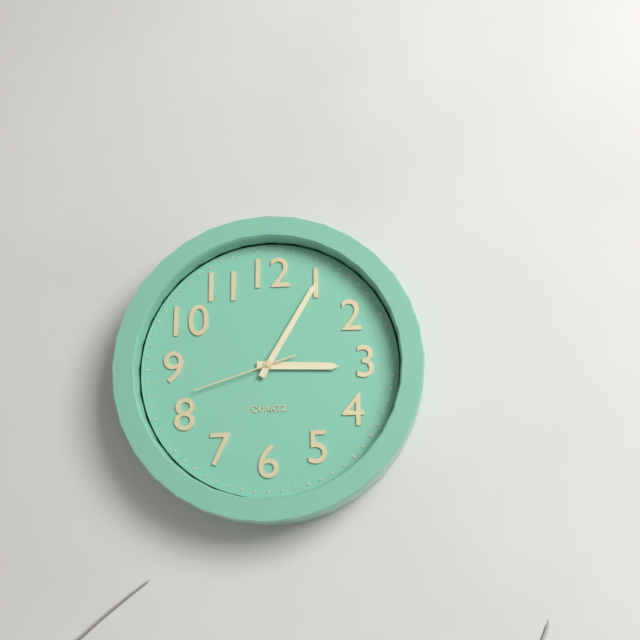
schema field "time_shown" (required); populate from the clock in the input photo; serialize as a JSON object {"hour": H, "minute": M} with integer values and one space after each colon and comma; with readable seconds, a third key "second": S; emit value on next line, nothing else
{"hour": 3, "minute": 5, "second": 42}
